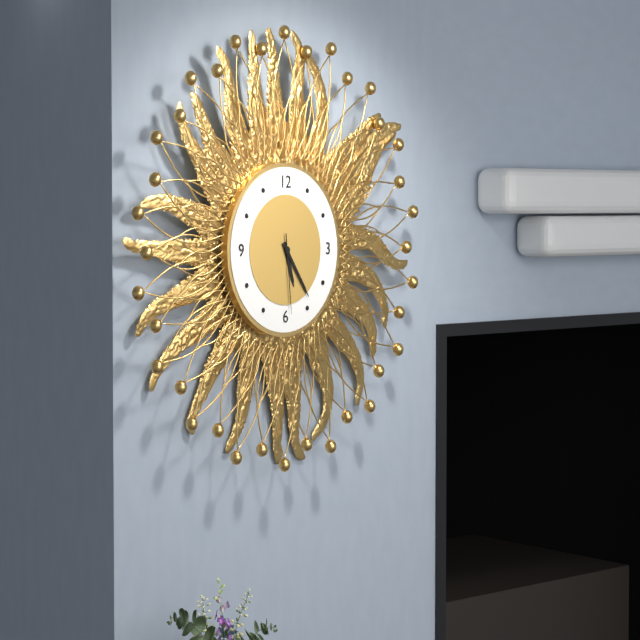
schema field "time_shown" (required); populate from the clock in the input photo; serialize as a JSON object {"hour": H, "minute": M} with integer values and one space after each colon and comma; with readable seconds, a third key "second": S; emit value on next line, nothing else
{"hour": 5, "minute": 24, "second": 29}
